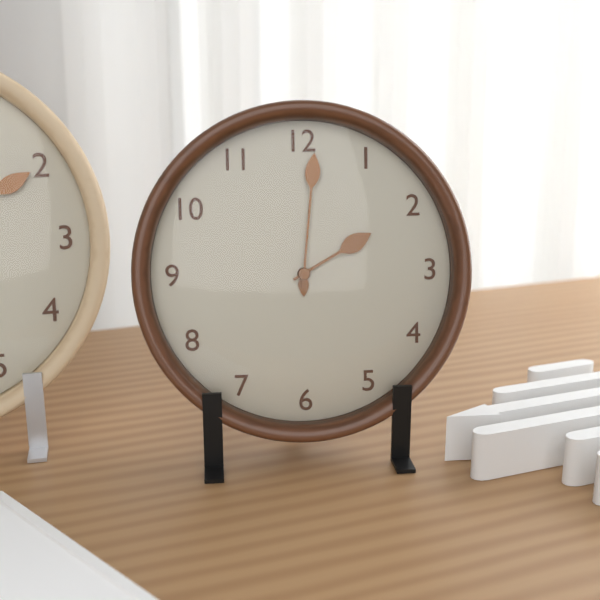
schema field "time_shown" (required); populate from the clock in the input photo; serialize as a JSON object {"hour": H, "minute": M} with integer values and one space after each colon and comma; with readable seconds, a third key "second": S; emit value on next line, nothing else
{"hour": 2, "minute": 1}
